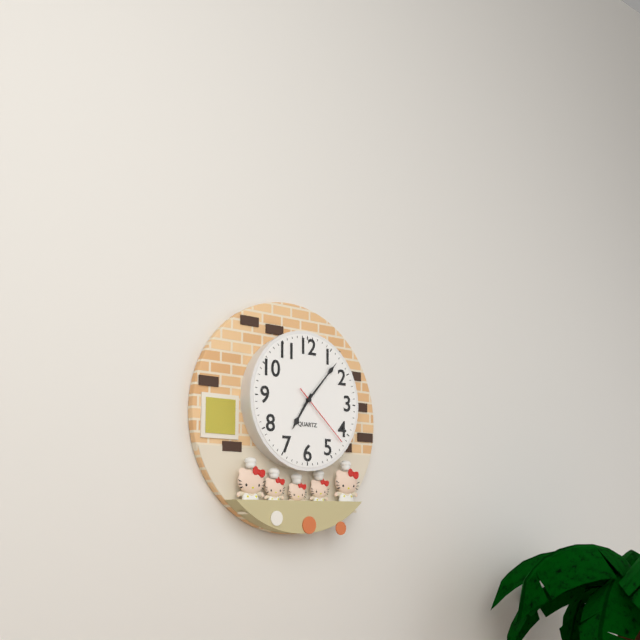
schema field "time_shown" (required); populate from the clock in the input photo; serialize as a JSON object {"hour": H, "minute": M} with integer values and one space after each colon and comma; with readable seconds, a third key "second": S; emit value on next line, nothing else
{"hour": 7, "minute": 7, "second": 22}
